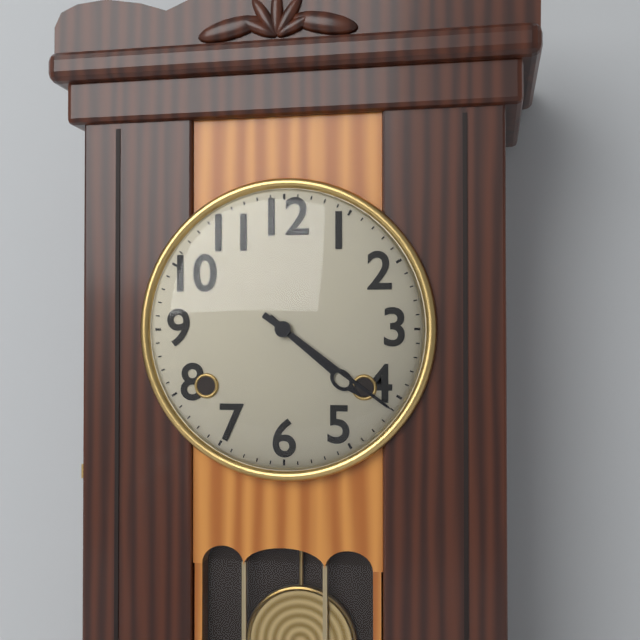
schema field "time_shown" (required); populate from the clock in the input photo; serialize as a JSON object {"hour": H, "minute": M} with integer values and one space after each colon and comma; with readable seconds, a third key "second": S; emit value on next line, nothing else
{"hour": 4, "minute": 21}
